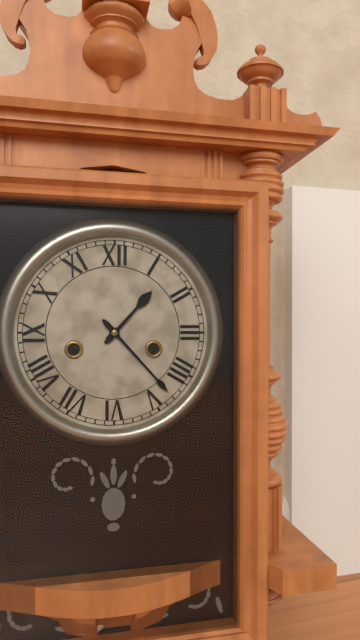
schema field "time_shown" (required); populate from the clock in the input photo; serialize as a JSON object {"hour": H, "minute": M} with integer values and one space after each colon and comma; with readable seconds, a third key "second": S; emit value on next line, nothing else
{"hour": 1, "minute": 23}
